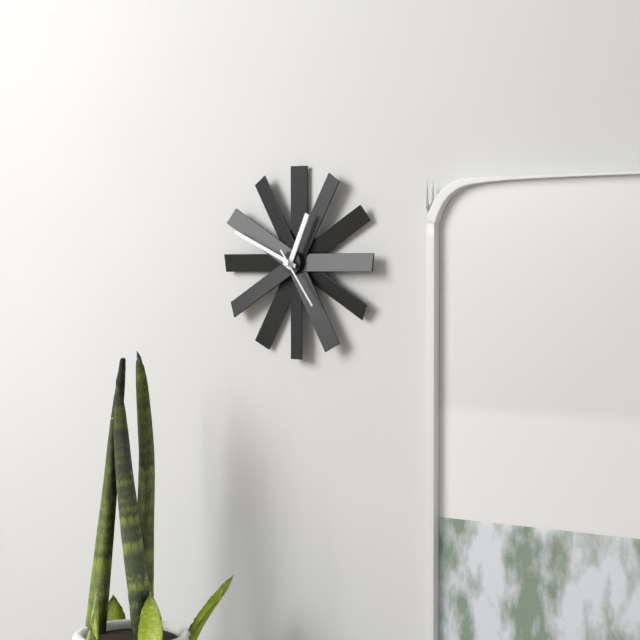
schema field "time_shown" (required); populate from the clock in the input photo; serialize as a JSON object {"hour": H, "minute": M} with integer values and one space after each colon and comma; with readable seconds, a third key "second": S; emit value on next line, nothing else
{"hour": 12, "minute": 49, "second": 24}
